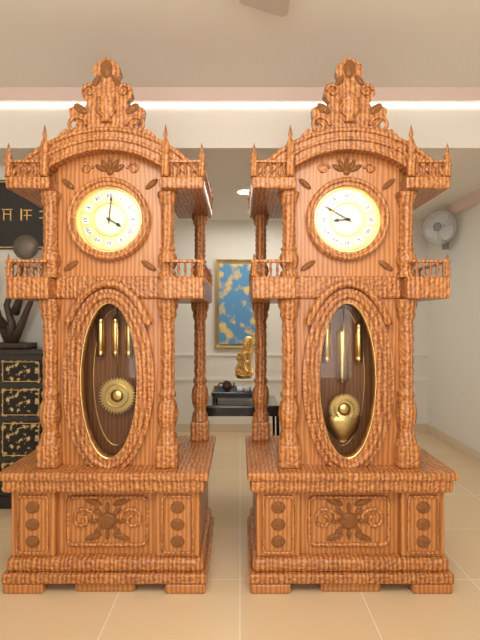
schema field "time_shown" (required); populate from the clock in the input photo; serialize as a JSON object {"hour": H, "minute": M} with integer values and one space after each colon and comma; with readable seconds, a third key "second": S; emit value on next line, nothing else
{"hour": 4, "minute": 1}
